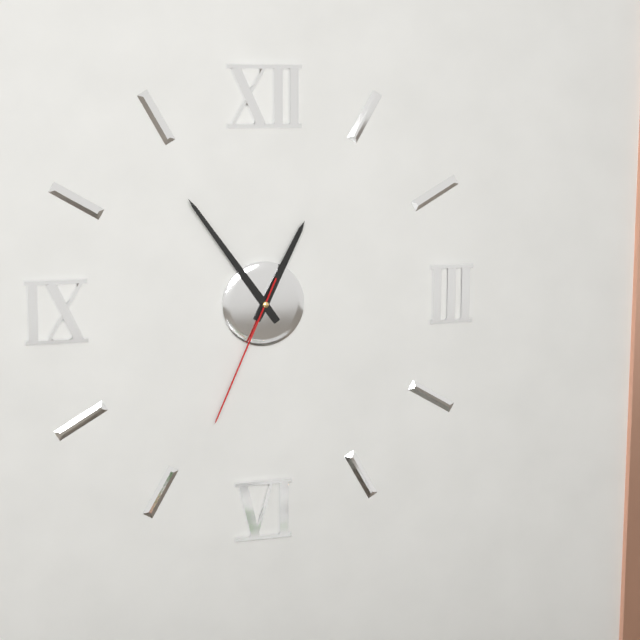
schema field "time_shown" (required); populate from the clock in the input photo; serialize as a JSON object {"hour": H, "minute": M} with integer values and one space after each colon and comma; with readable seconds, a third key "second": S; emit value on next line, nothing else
{"hour": 12, "minute": 54, "second": 34}
